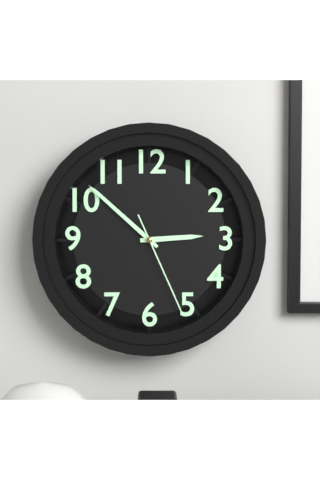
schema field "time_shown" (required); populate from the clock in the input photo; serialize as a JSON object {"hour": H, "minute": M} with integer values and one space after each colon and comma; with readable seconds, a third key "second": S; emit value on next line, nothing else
{"hour": 2, "minute": 52, "second": 26}
